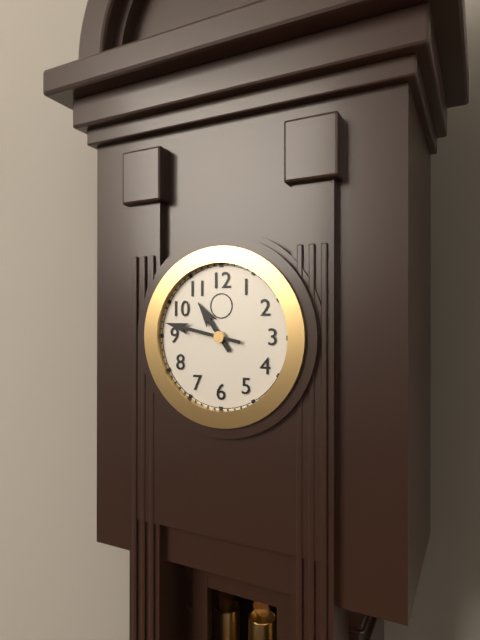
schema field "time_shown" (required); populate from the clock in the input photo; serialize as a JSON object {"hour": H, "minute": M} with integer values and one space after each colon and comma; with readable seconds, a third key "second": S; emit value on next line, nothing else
{"hour": 10, "minute": 47}
